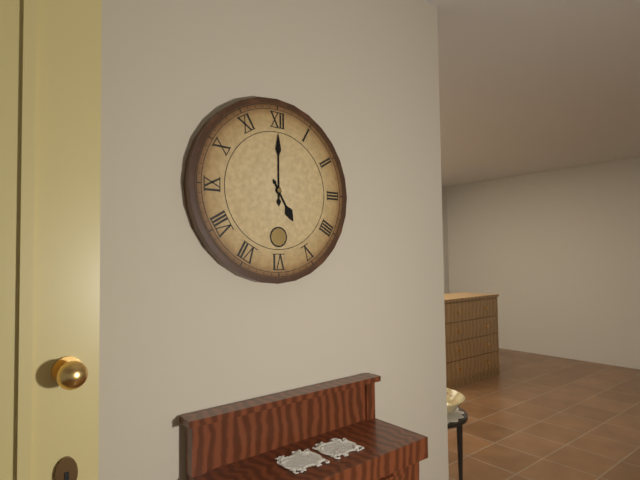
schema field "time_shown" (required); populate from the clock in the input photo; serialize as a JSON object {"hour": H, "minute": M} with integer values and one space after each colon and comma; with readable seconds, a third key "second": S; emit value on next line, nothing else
{"hour": 5, "minute": 0}
